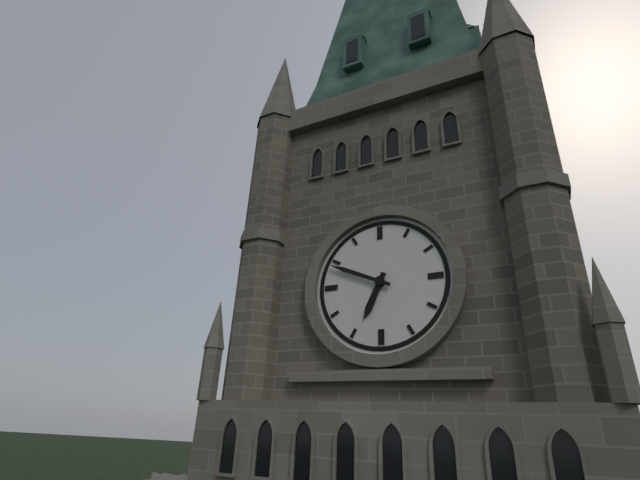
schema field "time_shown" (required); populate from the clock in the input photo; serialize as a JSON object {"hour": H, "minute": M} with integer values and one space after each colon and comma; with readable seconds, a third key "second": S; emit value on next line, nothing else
{"hour": 6, "minute": 49}
